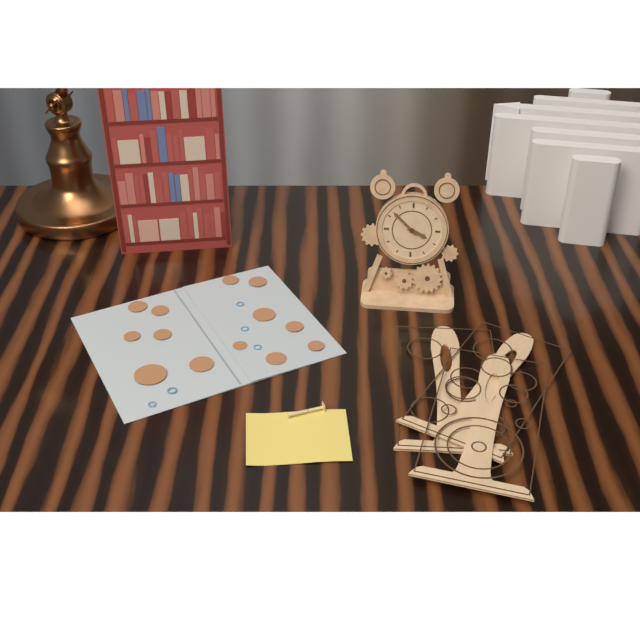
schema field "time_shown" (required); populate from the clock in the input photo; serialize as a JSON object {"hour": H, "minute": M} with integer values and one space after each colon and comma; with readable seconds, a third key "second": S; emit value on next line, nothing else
{"hour": 3, "minute": 52}
